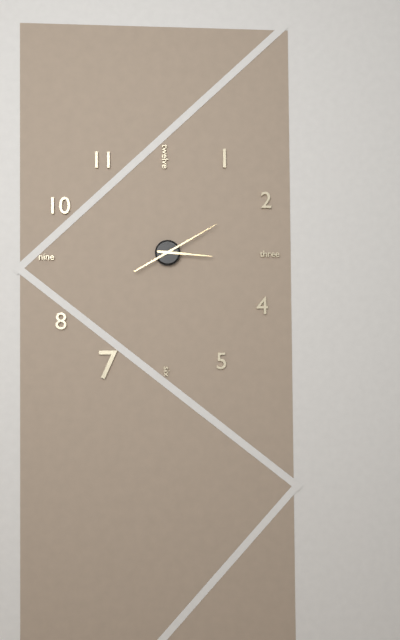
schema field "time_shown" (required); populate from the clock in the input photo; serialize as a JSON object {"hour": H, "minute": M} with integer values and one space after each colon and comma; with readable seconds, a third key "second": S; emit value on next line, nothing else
{"hour": 3, "minute": 10}
